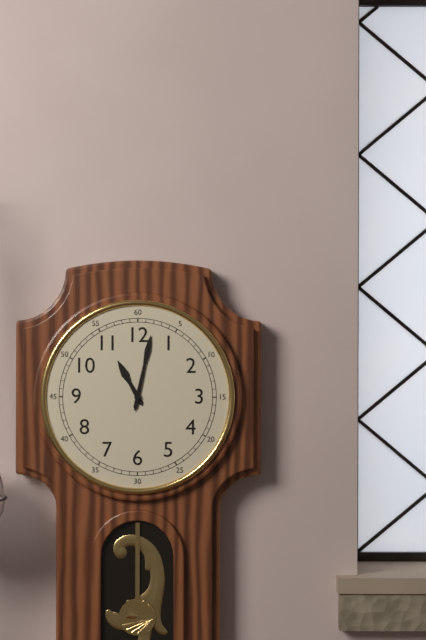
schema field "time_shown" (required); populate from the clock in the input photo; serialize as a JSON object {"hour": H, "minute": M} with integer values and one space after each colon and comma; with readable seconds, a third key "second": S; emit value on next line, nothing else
{"hour": 11, "minute": 2}
